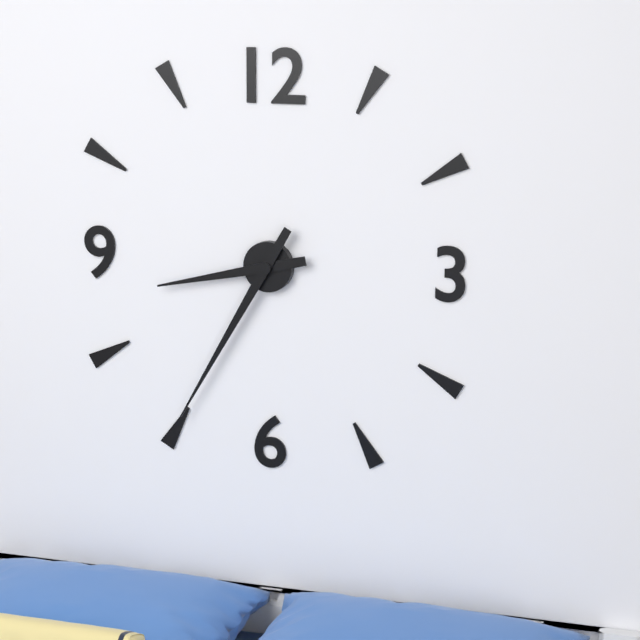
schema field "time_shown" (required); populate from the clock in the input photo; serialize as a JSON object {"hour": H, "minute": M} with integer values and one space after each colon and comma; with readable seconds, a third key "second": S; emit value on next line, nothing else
{"hour": 8, "minute": 35}
